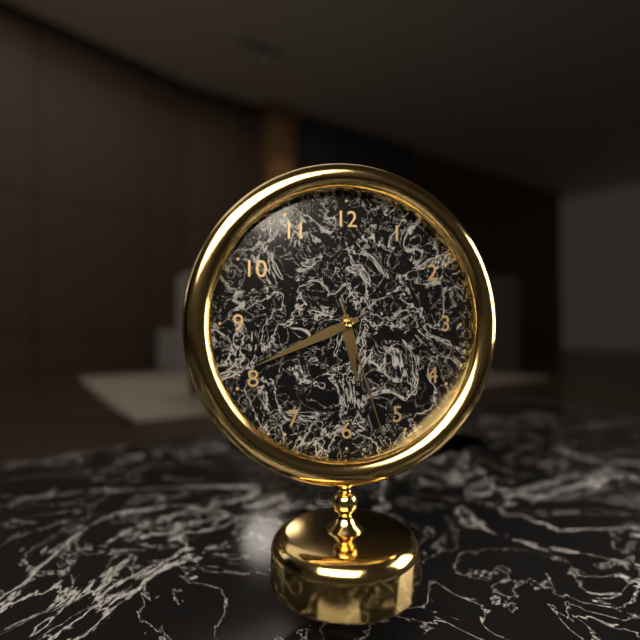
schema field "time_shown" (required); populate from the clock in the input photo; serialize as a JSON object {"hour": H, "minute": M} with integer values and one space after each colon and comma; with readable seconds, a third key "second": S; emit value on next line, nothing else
{"hour": 5, "minute": 41, "second": 27}
